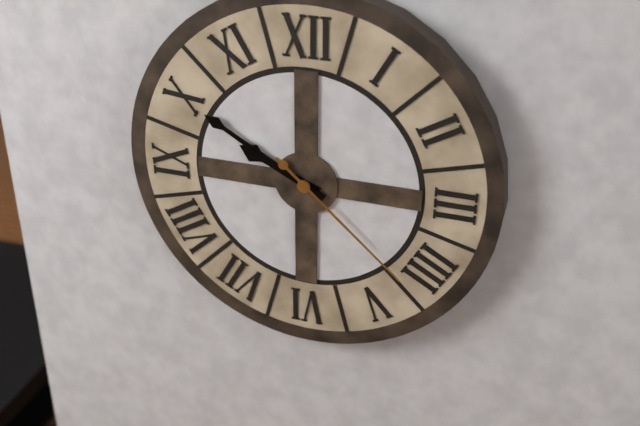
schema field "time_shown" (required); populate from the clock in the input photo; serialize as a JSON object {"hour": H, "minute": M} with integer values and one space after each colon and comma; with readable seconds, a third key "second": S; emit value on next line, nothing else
{"hour": 9, "minute": 50, "second": 22}
